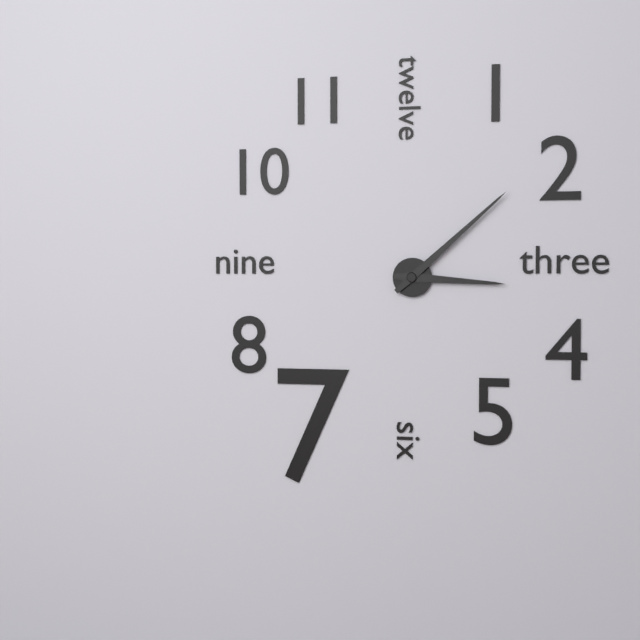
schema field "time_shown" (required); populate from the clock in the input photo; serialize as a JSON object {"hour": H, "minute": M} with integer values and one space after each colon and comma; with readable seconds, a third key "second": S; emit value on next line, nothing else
{"hour": 3, "minute": 8}
